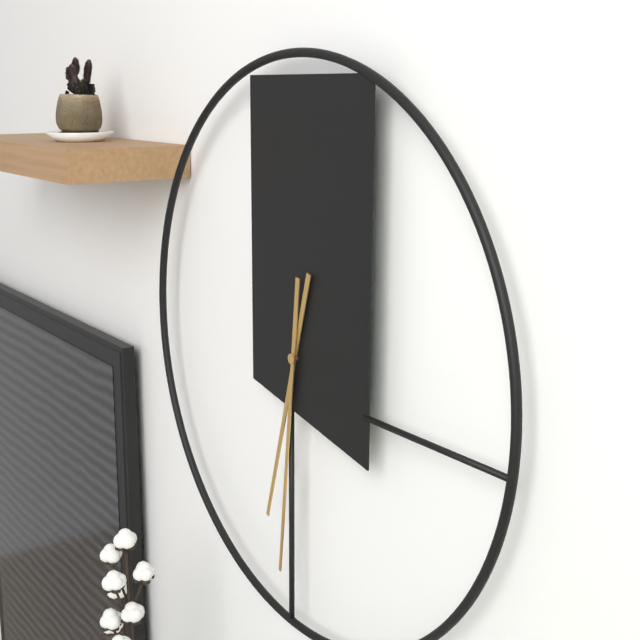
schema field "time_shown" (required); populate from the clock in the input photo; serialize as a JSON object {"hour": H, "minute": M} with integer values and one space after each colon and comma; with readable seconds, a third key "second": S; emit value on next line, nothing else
{"hour": 6, "minute": 31}
